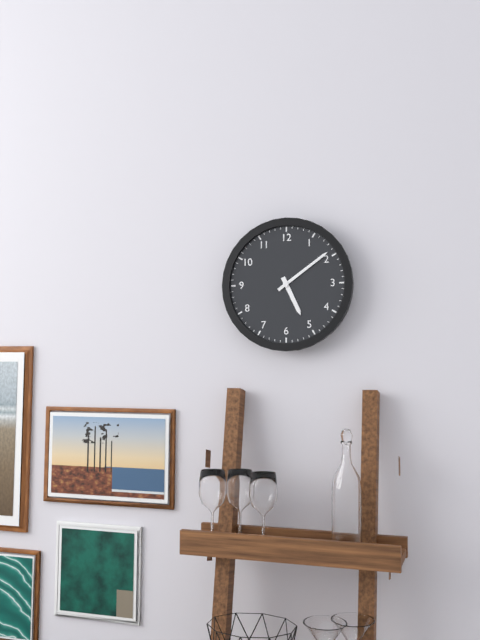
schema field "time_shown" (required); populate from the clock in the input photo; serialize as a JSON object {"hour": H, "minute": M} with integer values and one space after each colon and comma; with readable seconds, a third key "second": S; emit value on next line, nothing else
{"hour": 5, "minute": 9}
